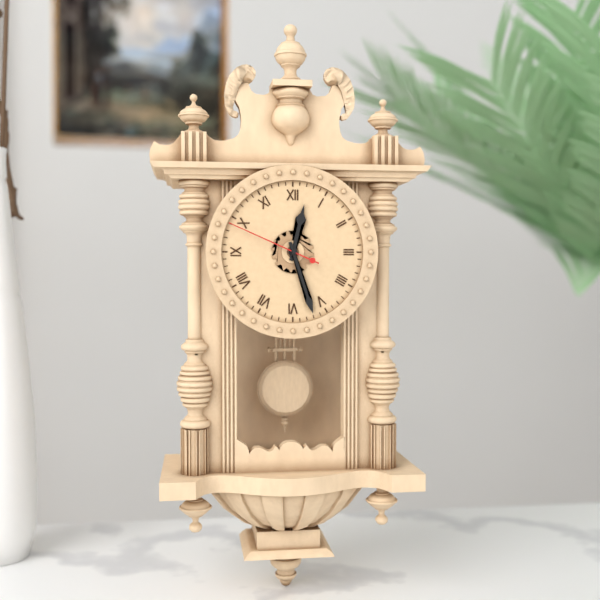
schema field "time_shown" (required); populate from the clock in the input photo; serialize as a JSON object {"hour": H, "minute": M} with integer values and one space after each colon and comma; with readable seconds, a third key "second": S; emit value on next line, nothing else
{"hour": 12, "minute": 27, "second": 49}
